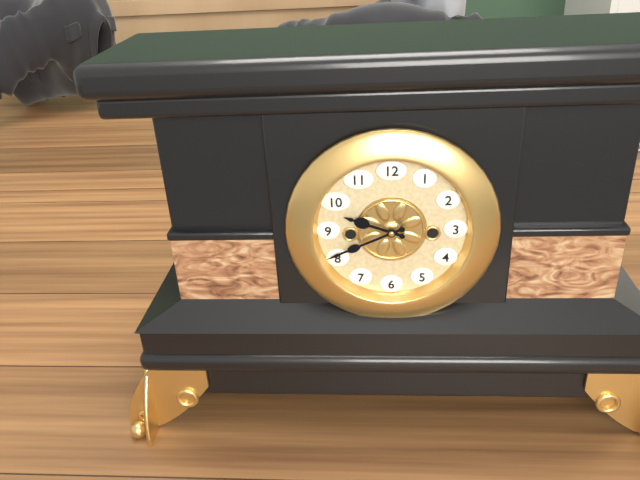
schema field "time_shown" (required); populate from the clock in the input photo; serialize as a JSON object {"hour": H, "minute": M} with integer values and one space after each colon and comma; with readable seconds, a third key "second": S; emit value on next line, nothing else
{"hour": 9, "minute": 41}
